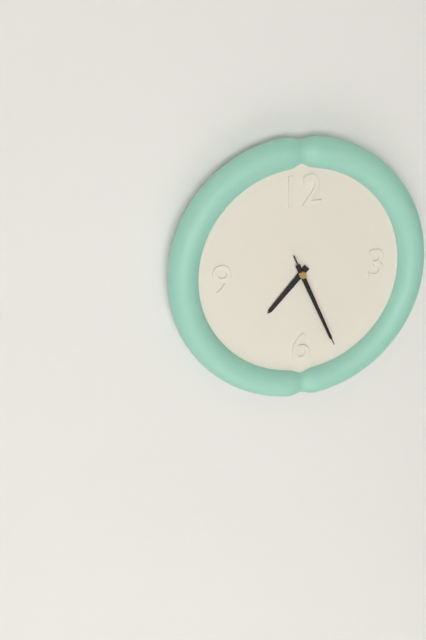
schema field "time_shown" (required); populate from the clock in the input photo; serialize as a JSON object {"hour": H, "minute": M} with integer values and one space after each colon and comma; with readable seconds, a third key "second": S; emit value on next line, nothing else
{"hour": 7, "minute": 26, "second": 26}
